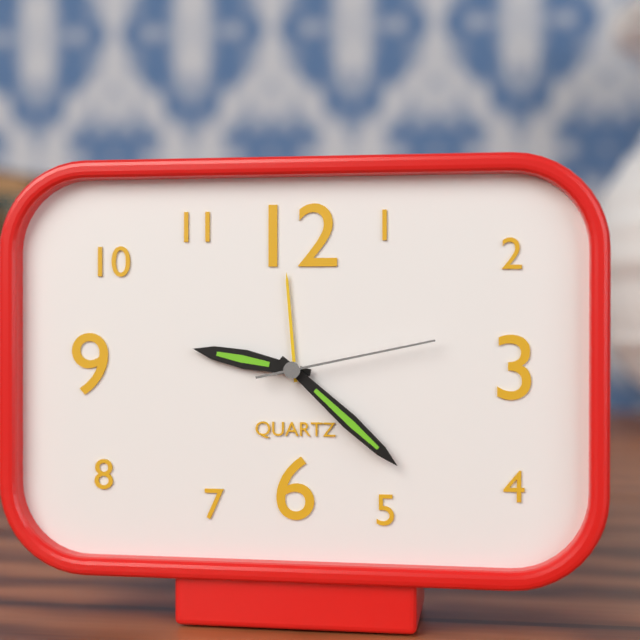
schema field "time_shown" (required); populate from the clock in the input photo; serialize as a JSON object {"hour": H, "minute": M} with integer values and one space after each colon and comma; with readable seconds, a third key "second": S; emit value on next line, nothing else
{"hour": 9, "minute": 22, "second": 13}
